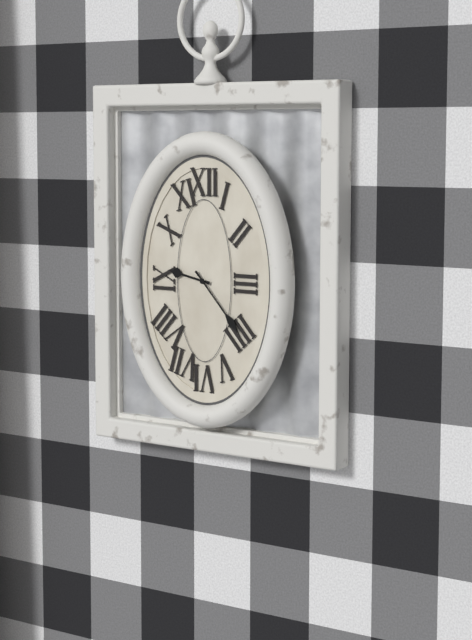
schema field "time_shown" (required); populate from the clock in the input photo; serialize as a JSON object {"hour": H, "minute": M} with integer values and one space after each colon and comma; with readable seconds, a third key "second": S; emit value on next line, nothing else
{"hour": 9, "minute": 23}
